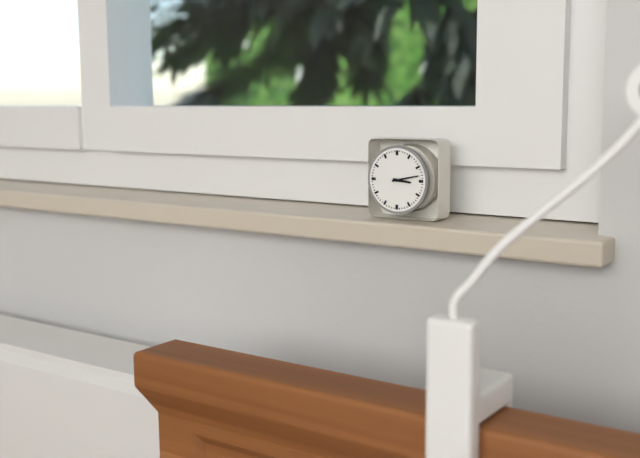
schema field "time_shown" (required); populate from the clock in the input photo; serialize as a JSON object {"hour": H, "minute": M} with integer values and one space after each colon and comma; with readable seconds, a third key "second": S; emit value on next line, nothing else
{"hour": 3, "minute": 13}
